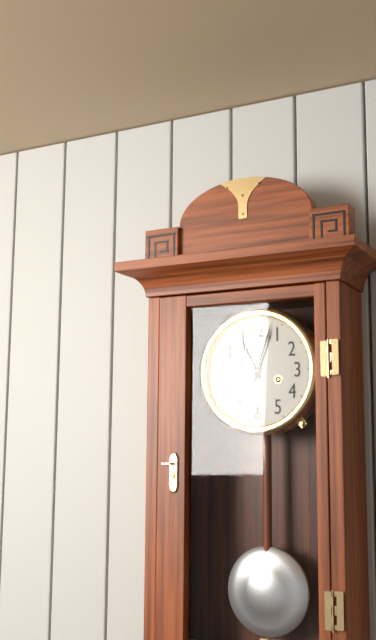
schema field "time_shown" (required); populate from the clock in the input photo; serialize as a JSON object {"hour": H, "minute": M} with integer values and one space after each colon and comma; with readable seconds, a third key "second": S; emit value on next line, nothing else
{"hour": 11, "minute": 3}
